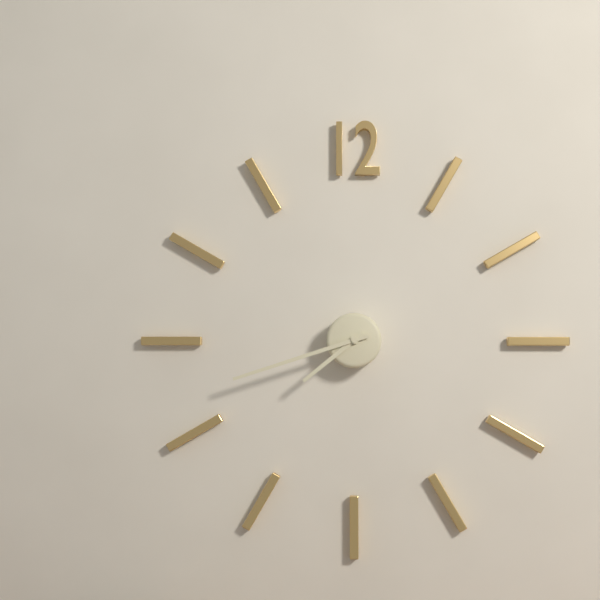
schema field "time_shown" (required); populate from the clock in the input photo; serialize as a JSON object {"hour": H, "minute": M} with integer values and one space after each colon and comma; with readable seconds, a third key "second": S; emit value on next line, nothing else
{"hour": 7, "minute": 42}
